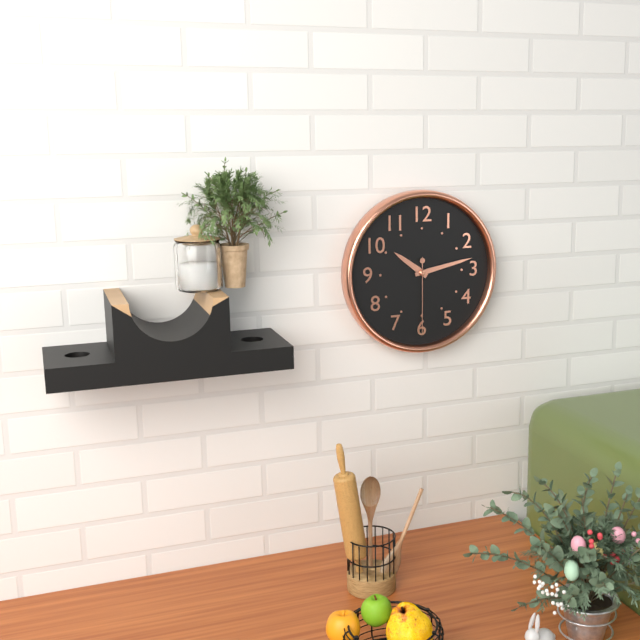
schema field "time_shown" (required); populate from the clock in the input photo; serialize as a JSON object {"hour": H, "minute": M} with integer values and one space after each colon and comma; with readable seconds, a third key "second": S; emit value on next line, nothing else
{"hour": 10, "minute": 13, "second": 30}
